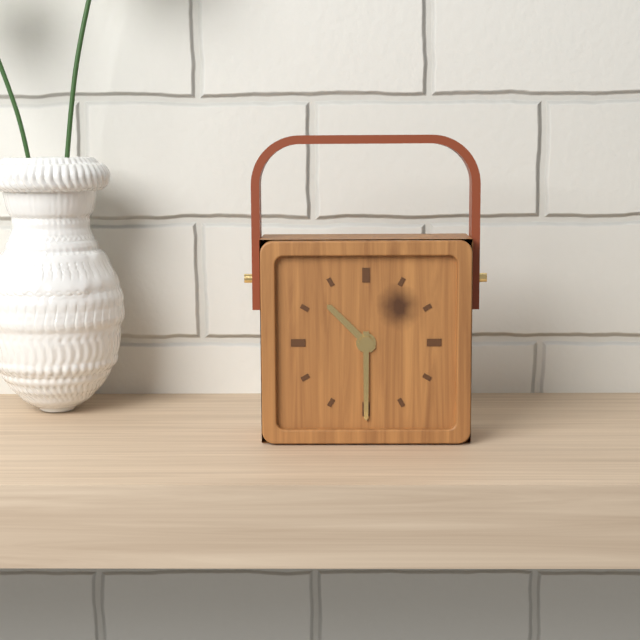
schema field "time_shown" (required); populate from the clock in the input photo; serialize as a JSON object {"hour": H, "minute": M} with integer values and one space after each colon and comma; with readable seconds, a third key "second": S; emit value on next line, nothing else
{"hour": 10, "minute": 30}
